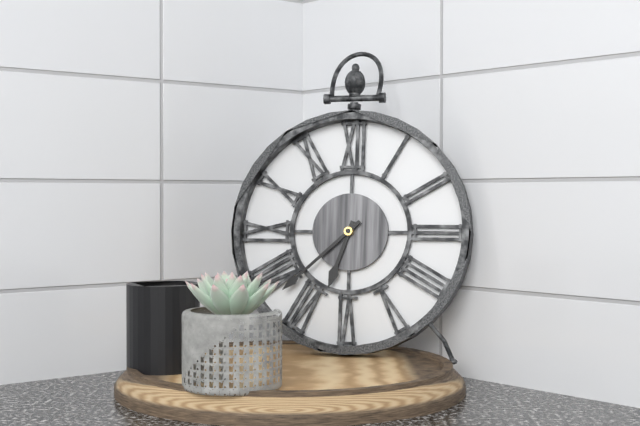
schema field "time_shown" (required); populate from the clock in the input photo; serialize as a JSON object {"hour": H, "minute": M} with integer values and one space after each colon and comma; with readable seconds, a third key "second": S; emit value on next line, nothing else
{"hour": 6, "minute": 38}
